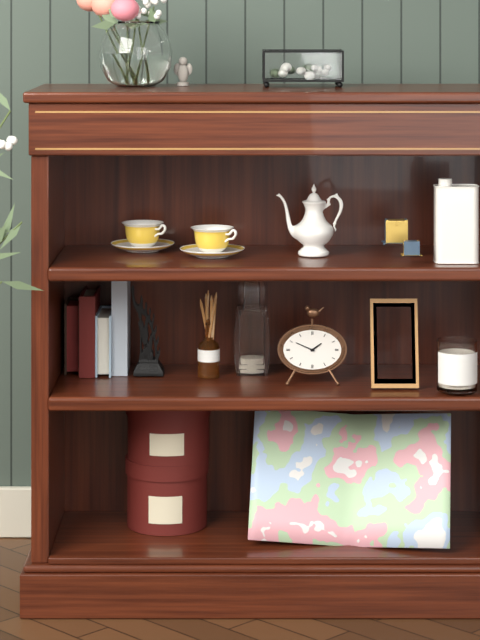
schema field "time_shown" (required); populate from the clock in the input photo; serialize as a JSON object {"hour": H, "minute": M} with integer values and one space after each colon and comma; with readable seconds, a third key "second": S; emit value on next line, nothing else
{"hour": 1, "minute": 49}
